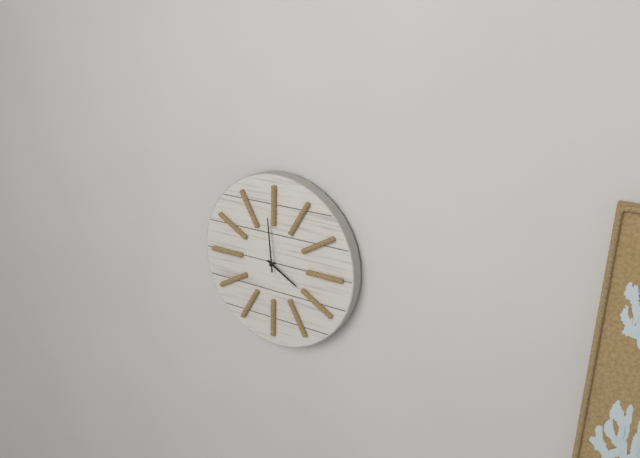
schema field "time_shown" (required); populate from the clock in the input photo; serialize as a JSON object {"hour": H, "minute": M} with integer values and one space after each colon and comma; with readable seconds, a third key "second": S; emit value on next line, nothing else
{"hour": 3, "minute": 59}
